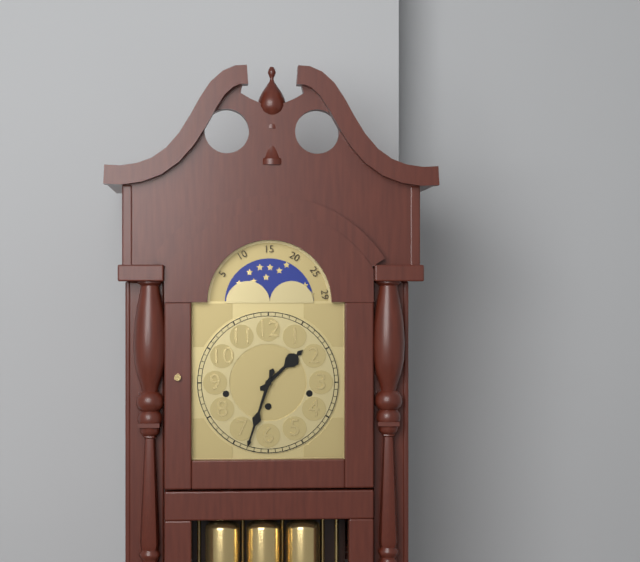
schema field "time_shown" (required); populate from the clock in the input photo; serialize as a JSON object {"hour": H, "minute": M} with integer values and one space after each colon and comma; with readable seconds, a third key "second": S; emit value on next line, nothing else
{"hour": 1, "minute": 33}
